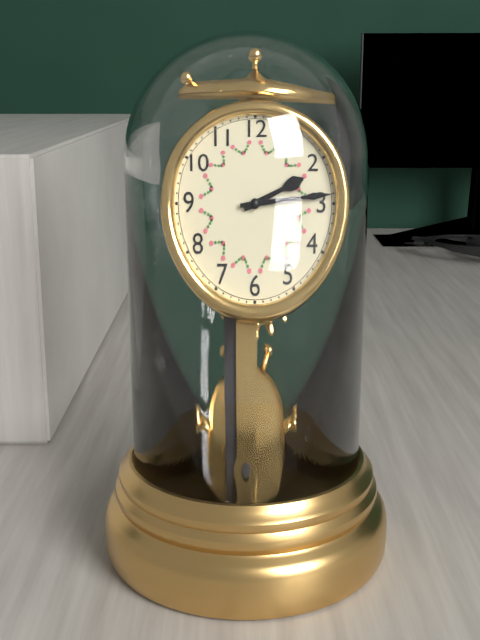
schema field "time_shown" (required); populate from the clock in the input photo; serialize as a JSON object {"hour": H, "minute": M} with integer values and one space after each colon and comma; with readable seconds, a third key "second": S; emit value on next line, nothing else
{"hour": 2, "minute": 14}
